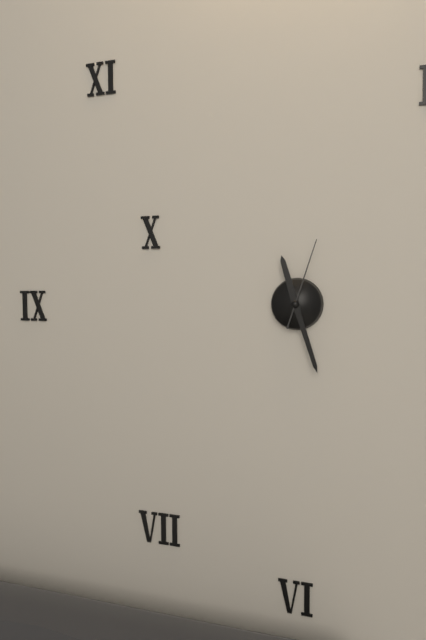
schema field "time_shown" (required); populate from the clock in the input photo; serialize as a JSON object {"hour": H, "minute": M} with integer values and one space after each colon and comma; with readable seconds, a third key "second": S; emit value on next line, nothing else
{"hour": 11, "minute": 27, "second": 3}
